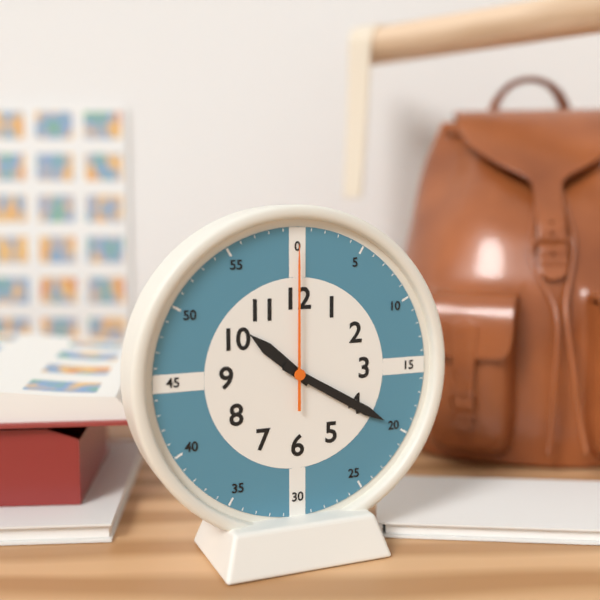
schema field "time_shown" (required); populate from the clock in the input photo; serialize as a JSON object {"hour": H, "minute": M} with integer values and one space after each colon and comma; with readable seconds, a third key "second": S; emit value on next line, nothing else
{"hour": 10, "minute": 20, "second": 0}
